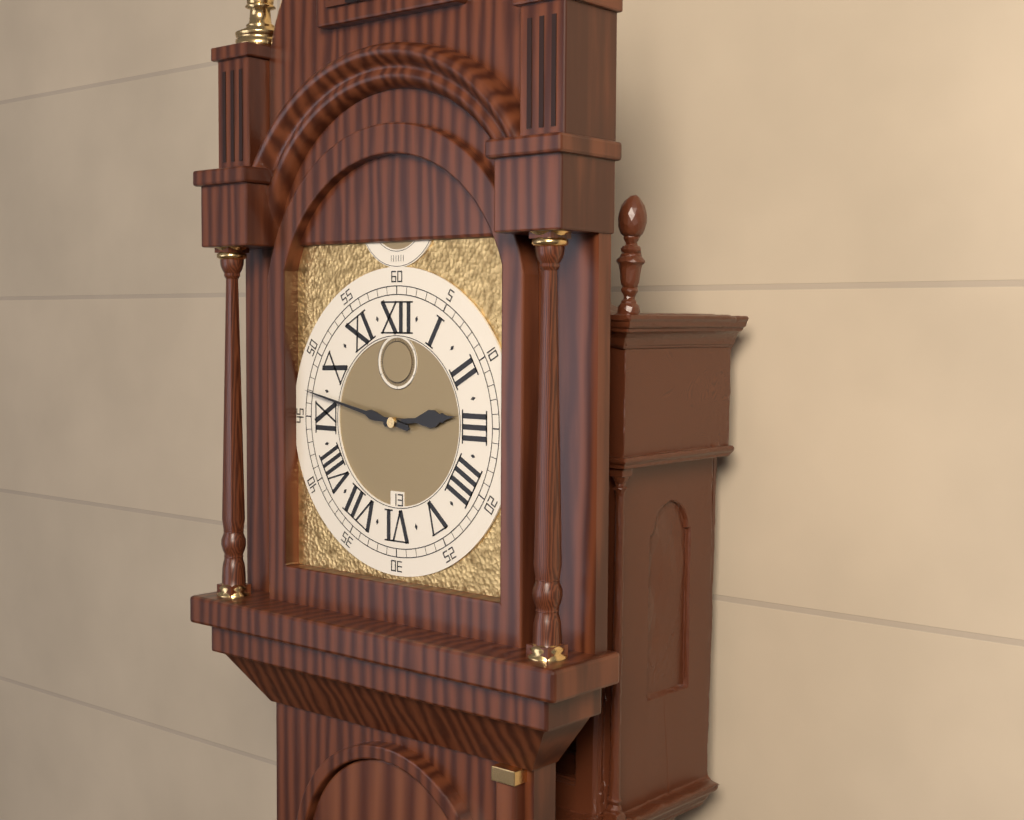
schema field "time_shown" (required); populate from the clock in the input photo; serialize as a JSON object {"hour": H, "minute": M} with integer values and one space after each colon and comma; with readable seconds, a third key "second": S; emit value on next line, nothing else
{"hour": 2, "minute": 47}
